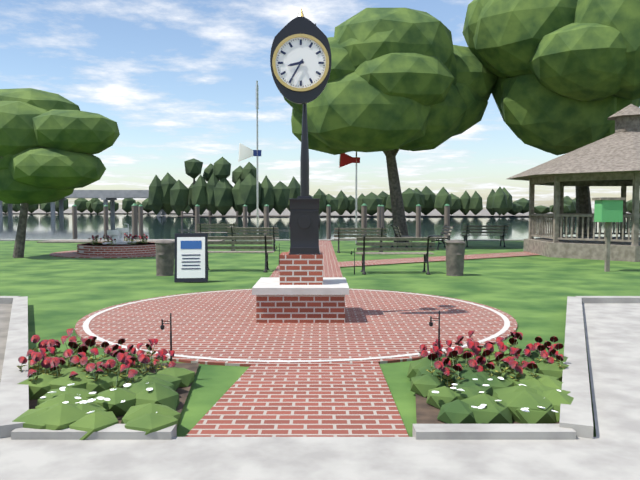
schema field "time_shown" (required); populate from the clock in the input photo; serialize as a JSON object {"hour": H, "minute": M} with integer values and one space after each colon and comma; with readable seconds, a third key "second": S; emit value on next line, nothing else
{"hour": 8, "minute": 35}
